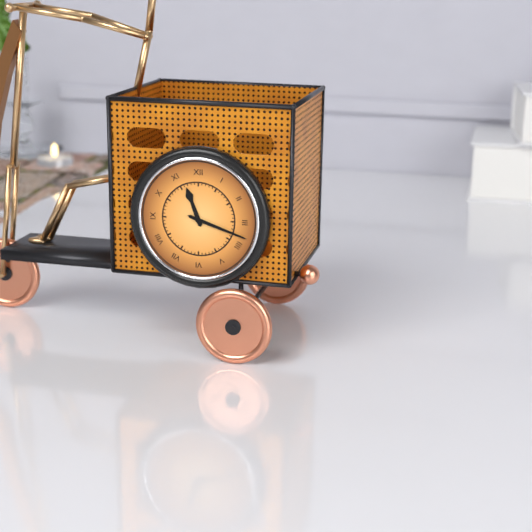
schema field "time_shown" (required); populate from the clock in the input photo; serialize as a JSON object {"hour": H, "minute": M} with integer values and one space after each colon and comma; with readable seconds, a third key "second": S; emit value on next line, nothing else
{"hour": 11, "minute": 18}
